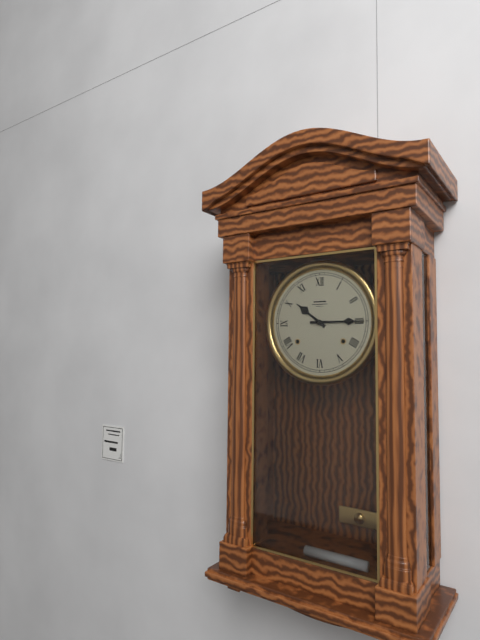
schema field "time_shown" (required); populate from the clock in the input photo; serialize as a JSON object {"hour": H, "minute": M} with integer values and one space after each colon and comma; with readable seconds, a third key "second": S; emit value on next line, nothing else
{"hour": 10, "minute": 15}
